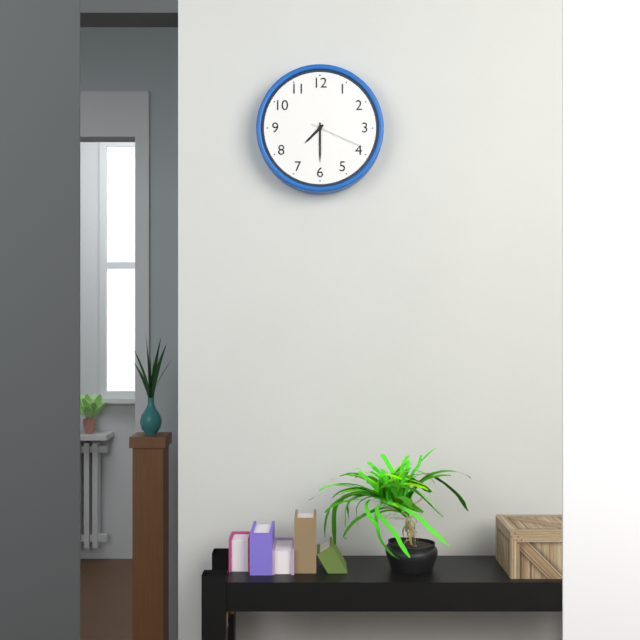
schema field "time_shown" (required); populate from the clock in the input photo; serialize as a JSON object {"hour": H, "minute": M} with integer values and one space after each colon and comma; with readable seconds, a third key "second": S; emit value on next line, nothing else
{"hour": 7, "minute": 30, "second": 19}
